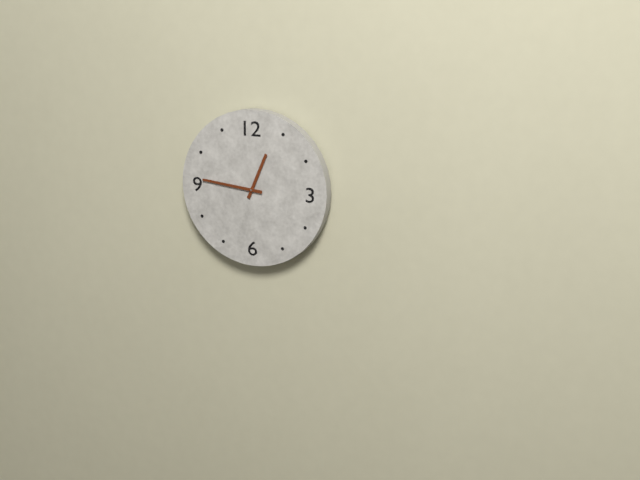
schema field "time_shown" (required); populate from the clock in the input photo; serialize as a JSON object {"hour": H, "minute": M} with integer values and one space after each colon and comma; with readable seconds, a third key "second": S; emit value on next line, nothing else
{"hour": 12, "minute": 46}
